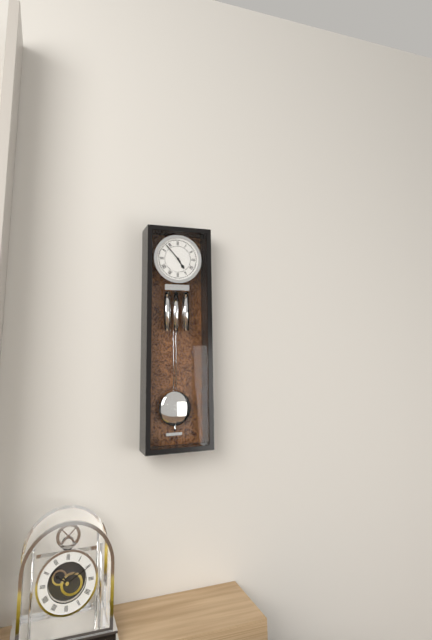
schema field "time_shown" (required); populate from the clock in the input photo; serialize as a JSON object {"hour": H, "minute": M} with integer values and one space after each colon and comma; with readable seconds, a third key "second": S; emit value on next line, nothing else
{"hour": 4, "minute": 53}
